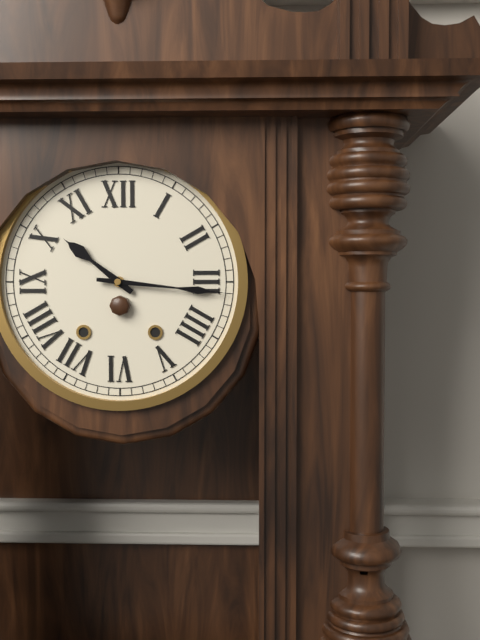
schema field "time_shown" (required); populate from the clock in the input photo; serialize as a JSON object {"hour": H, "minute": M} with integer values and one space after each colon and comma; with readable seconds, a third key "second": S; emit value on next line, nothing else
{"hour": 10, "minute": 16}
